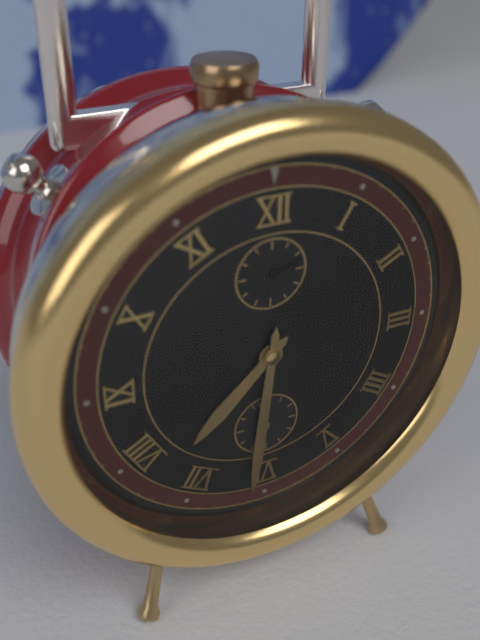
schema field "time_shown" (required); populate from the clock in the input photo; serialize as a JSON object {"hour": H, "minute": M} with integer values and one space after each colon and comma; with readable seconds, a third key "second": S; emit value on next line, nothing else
{"hour": 7, "minute": 31, "second": 57}
